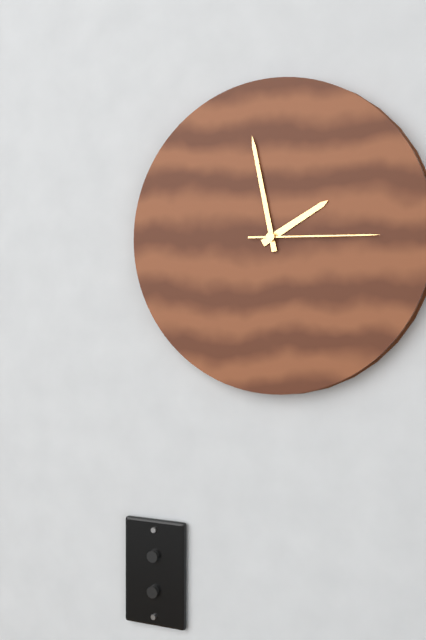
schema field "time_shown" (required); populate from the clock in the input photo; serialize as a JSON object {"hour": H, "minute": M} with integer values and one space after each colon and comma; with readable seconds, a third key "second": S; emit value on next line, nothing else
{"hour": 1, "minute": 58, "second": 15}
